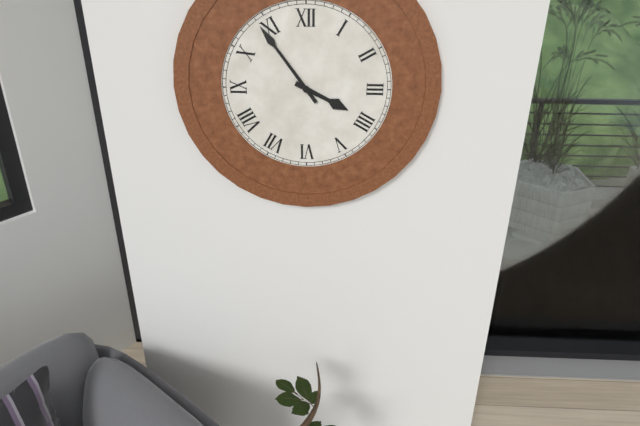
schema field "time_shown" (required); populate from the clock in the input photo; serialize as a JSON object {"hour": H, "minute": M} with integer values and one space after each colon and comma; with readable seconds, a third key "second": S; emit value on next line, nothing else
{"hour": 3, "minute": 54}
